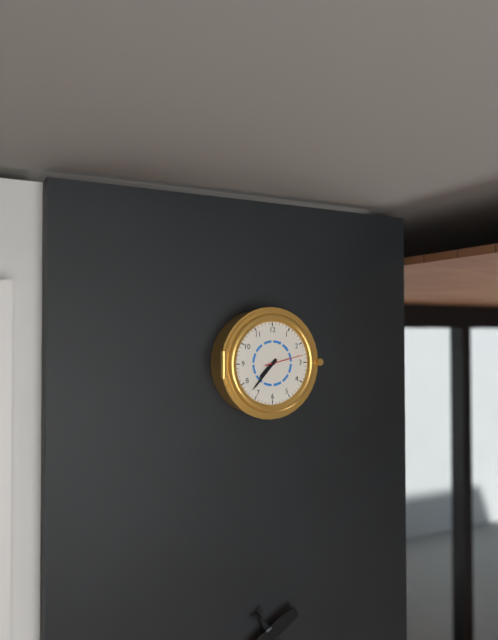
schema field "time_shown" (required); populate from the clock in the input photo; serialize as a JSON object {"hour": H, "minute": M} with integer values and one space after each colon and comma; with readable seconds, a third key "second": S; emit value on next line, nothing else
{"hour": 7, "minute": 37}
